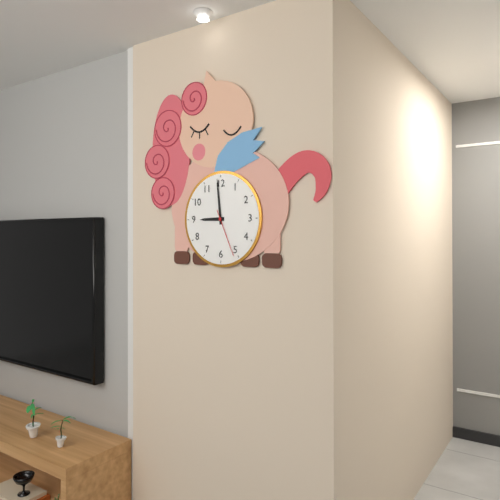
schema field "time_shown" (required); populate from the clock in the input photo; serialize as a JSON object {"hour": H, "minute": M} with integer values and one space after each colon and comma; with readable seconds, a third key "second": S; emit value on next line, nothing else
{"hour": 8, "minute": 59}
